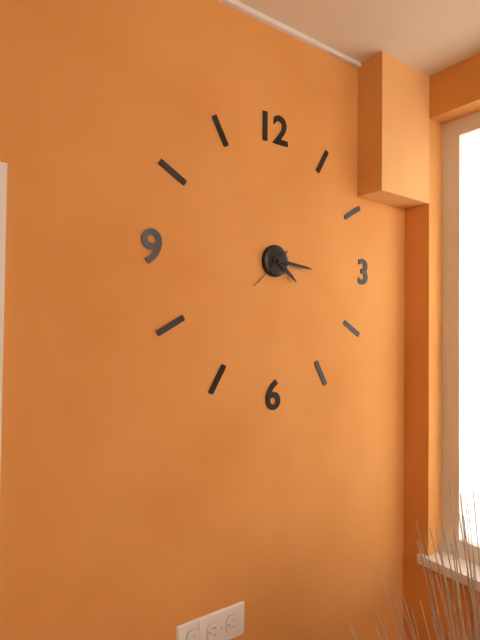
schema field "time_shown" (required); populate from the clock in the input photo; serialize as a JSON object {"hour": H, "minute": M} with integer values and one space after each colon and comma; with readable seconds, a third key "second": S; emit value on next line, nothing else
{"hour": 4, "minute": 16}
